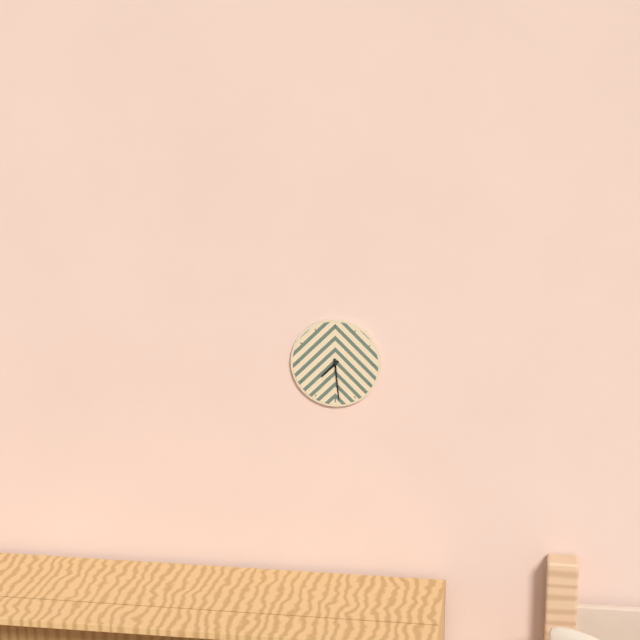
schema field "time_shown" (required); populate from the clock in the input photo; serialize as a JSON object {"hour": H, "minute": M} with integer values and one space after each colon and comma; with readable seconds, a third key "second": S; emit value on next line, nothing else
{"hour": 7, "minute": 29}
